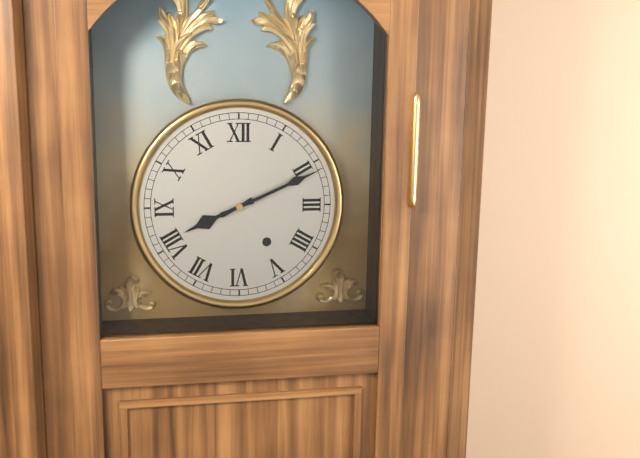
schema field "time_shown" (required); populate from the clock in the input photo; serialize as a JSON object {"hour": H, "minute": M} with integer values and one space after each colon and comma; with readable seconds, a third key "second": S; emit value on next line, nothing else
{"hour": 8, "minute": 11}
